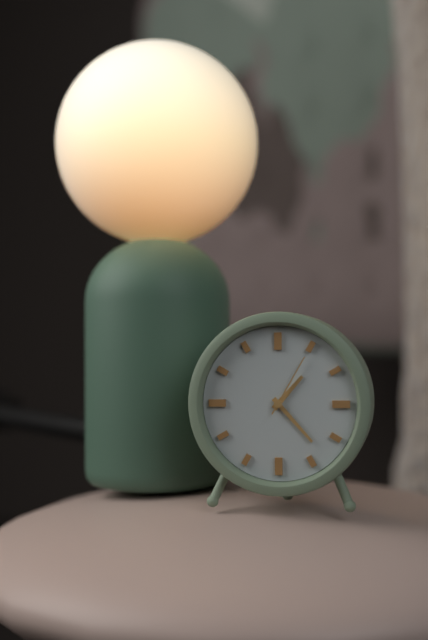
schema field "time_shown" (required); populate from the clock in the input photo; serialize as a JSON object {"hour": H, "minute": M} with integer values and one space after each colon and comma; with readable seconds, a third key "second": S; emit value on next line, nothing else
{"hour": 1, "minute": 23, "second": 5}
